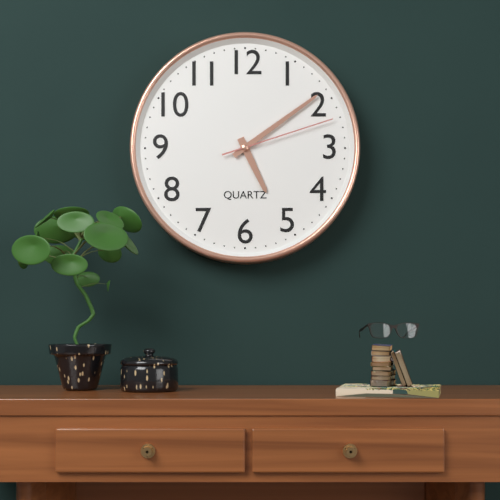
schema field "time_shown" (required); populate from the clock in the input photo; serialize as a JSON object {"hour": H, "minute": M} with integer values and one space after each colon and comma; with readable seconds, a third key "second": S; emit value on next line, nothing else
{"hour": 5, "minute": 9, "second": 12}
